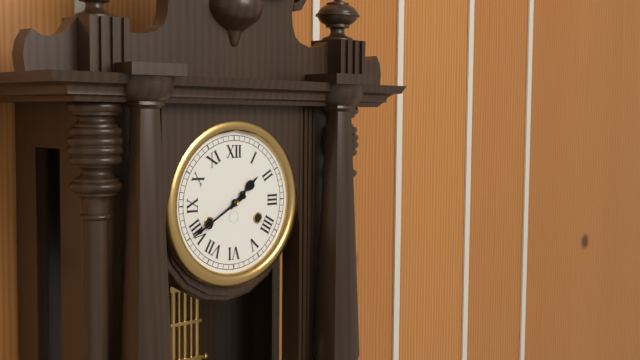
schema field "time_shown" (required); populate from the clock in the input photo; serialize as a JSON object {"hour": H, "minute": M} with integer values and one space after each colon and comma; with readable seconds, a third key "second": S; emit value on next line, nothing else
{"hour": 1, "minute": 40}
